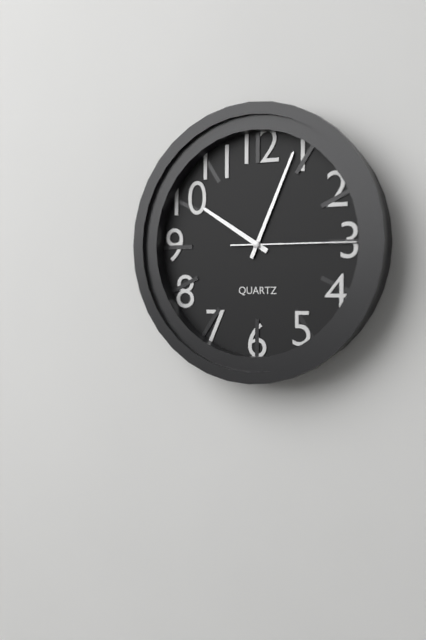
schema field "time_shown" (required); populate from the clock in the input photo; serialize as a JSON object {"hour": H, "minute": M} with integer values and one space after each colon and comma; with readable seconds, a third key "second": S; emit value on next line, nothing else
{"hour": 10, "minute": 4, "second": 15}
